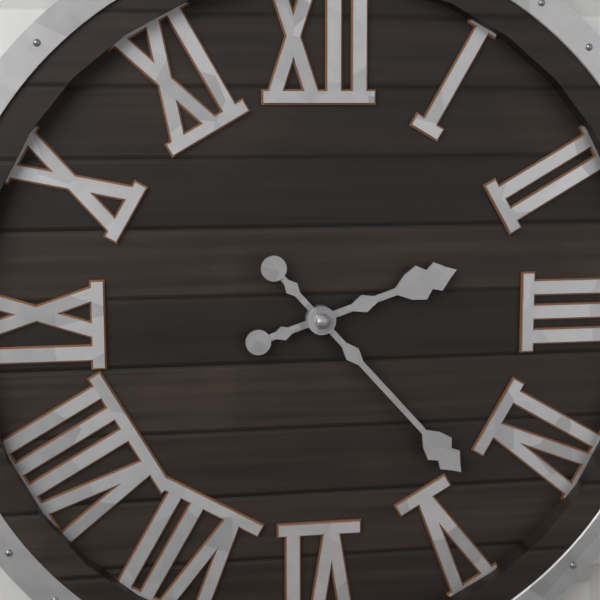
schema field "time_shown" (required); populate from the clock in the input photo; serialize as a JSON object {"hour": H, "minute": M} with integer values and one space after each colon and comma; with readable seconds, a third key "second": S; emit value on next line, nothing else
{"hour": 2, "minute": 23}
